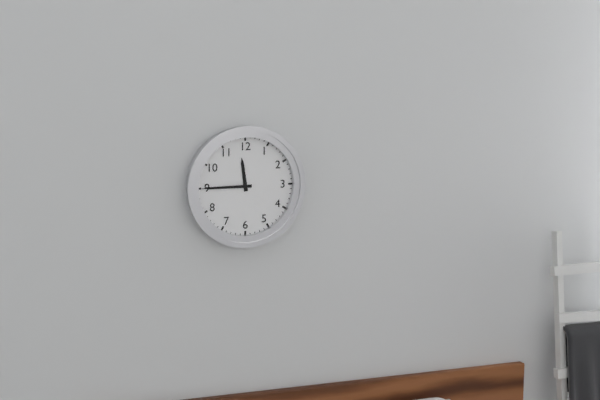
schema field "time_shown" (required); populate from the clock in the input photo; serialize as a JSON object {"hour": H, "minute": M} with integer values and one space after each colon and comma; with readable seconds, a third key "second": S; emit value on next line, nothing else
{"hour": 11, "minute": 45}
